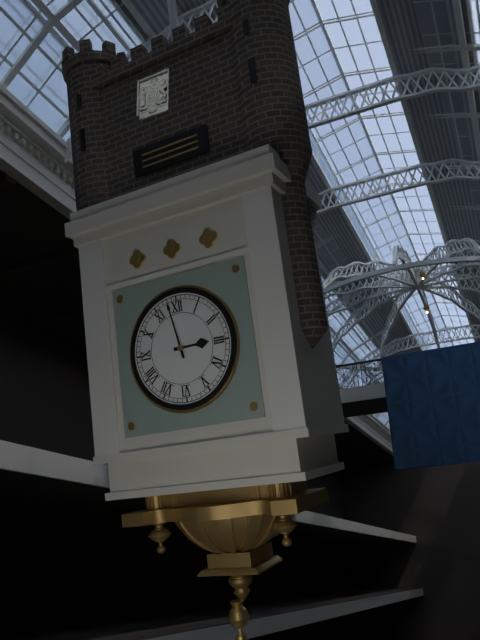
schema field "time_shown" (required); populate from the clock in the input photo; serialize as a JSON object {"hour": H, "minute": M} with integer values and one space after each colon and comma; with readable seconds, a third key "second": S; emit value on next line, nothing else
{"hour": 2, "minute": 58}
